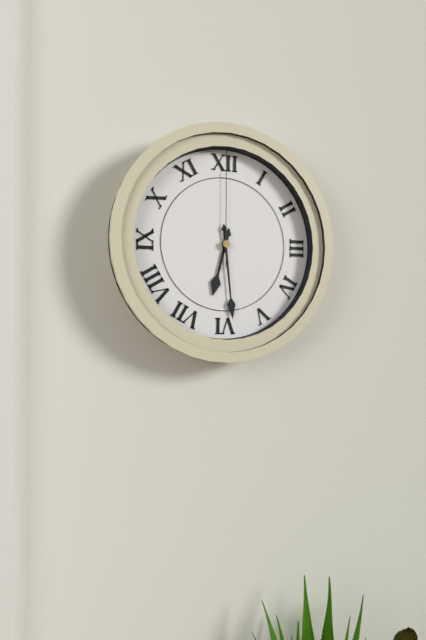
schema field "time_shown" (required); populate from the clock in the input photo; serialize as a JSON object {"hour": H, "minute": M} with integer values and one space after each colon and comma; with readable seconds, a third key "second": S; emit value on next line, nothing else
{"hour": 6, "minute": 29, "second": 0}
